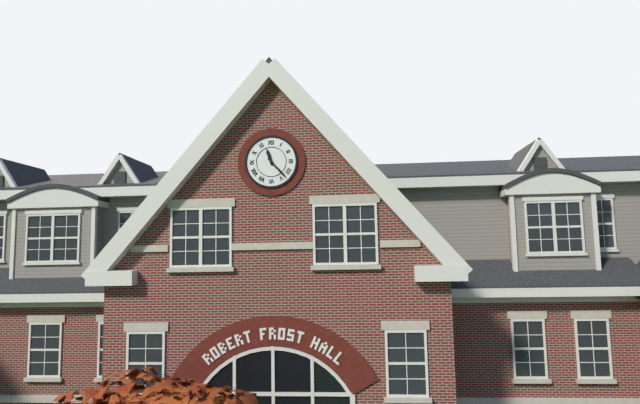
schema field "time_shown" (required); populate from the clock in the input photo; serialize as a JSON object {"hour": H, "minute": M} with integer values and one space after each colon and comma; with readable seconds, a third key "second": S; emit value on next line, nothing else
{"hour": 11, "minute": 23}
